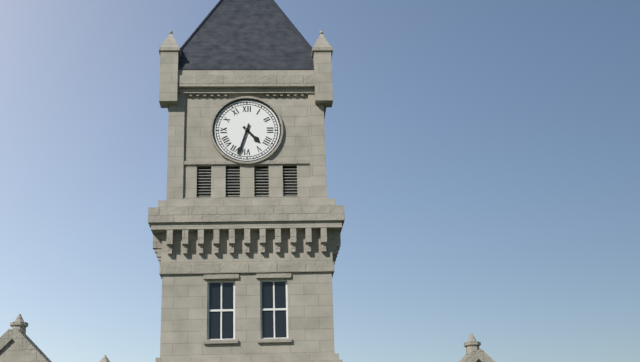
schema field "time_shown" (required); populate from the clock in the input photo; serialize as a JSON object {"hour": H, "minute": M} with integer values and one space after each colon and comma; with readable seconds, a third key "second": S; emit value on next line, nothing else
{"hour": 4, "minute": 33}
